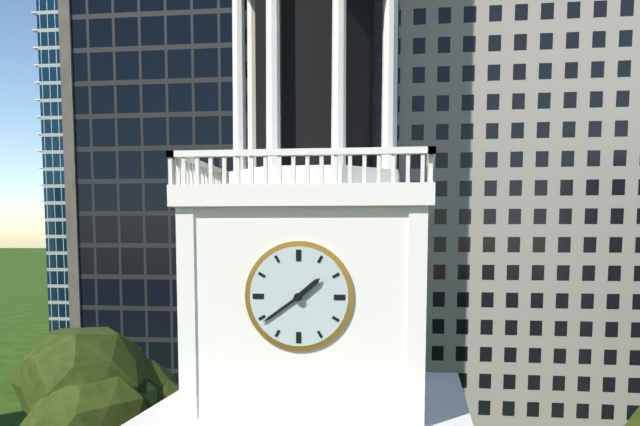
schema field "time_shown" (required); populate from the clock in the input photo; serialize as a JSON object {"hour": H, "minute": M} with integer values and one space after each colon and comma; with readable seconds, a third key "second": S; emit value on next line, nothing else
{"hour": 1, "minute": 39}
